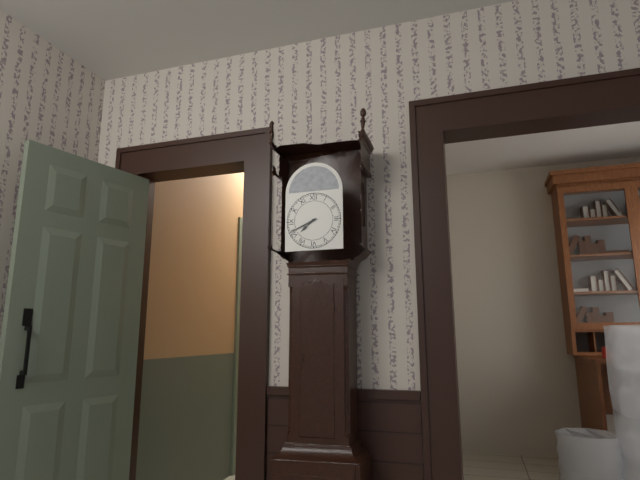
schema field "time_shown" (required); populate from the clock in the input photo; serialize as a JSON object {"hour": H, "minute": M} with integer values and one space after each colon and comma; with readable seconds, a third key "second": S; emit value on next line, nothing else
{"hour": 7, "minute": 41}
